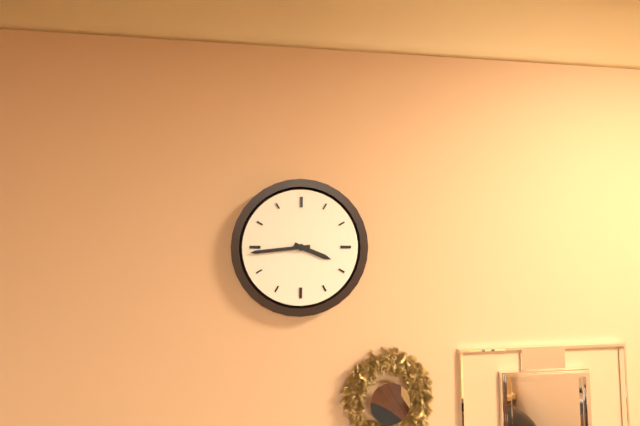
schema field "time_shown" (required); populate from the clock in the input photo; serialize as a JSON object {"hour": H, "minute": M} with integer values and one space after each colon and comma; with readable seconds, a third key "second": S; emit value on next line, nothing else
{"hour": 3, "minute": 44}
